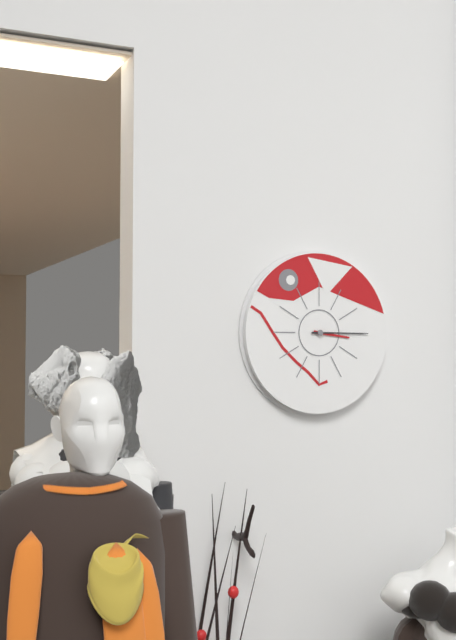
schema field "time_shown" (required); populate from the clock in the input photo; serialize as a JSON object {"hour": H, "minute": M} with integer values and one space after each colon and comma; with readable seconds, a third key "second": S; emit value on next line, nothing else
{"hour": 3, "minute": 15}
